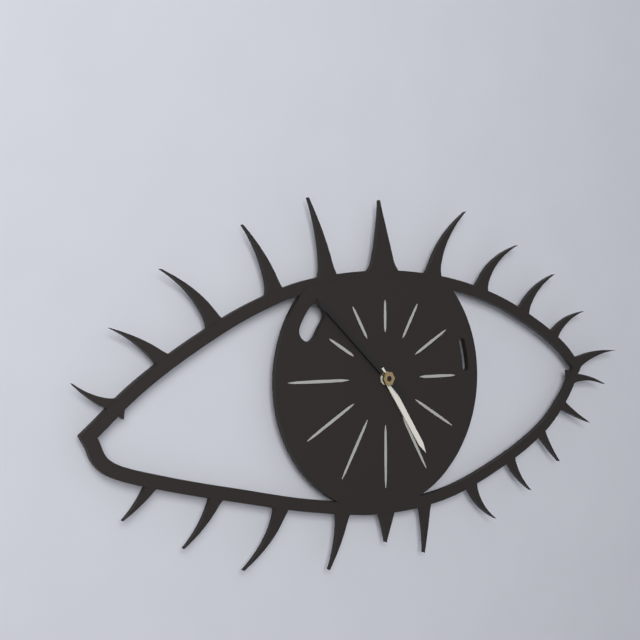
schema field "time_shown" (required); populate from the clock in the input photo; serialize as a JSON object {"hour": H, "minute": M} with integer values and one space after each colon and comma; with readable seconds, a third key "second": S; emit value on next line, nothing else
{"hour": 4, "minute": 52}
